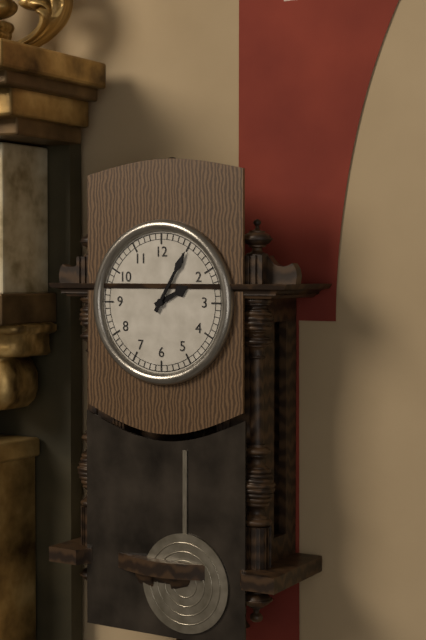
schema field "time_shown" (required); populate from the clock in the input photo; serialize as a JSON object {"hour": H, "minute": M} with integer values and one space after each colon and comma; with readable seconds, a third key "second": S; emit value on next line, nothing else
{"hour": 2, "minute": 5}
